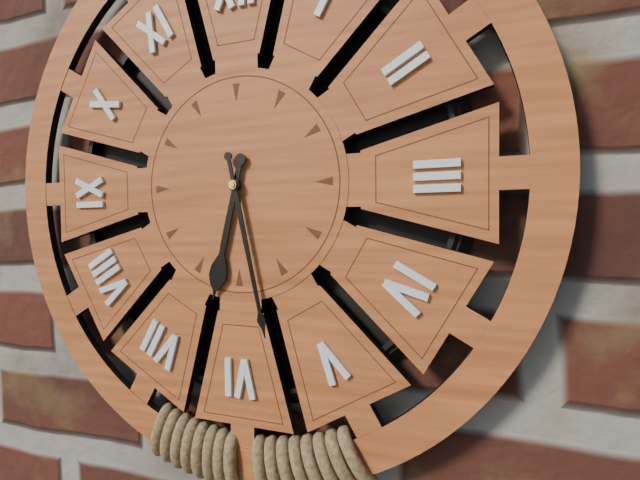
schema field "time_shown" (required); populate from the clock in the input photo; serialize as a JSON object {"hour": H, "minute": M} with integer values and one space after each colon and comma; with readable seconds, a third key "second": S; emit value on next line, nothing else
{"hour": 6, "minute": 28}
